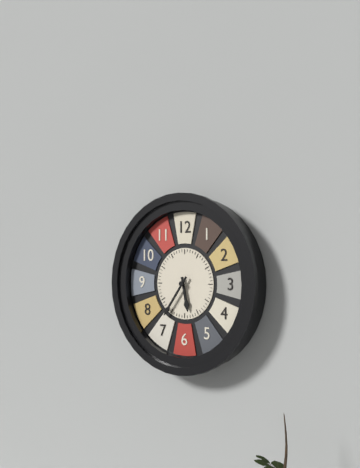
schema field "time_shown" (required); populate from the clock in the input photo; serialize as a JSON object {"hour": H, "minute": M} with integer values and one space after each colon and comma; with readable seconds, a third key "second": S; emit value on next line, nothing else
{"hour": 5, "minute": 36}
